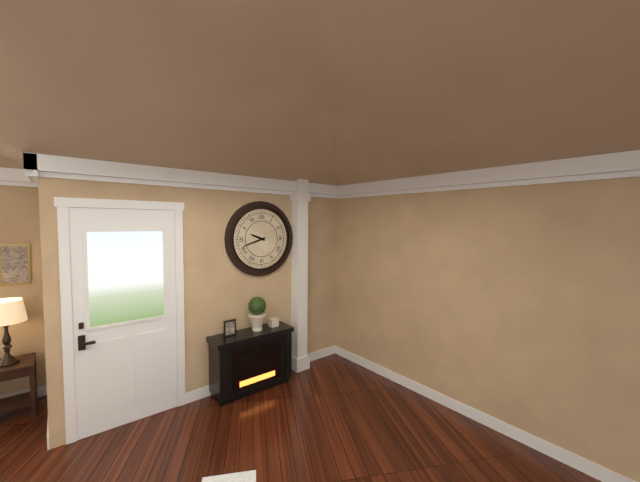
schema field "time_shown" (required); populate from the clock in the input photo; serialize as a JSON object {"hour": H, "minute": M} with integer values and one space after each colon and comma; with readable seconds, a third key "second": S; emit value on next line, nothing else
{"hour": 9, "minute": 42}
